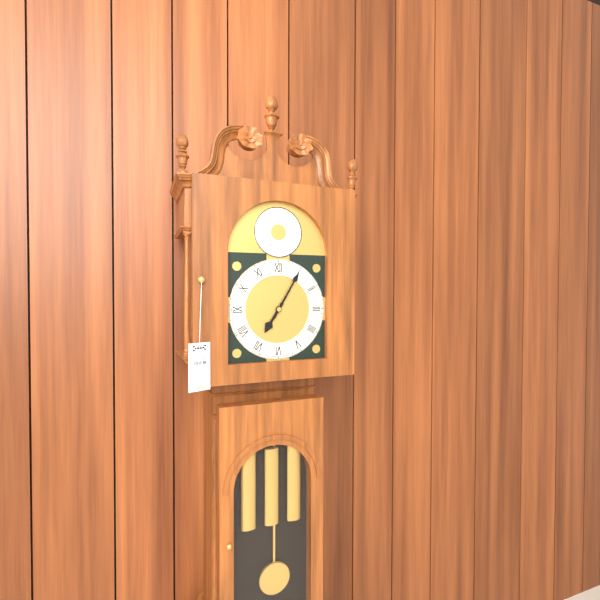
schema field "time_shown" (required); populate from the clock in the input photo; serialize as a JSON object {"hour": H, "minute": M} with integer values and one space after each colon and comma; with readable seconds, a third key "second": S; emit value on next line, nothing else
{"hour": 7, "minute": 5}
